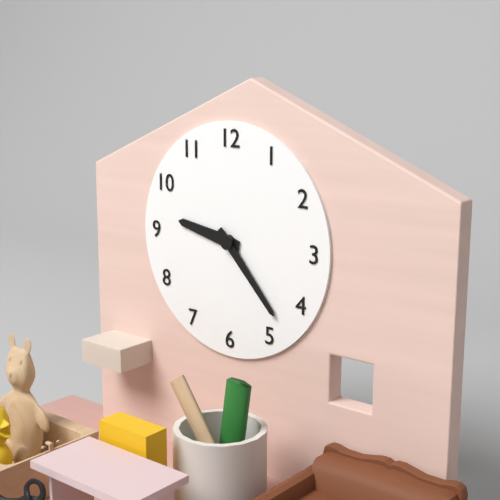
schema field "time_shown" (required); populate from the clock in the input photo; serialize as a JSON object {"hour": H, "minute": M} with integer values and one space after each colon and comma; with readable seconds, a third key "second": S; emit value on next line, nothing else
{"hour": 9, "minute": 23}
